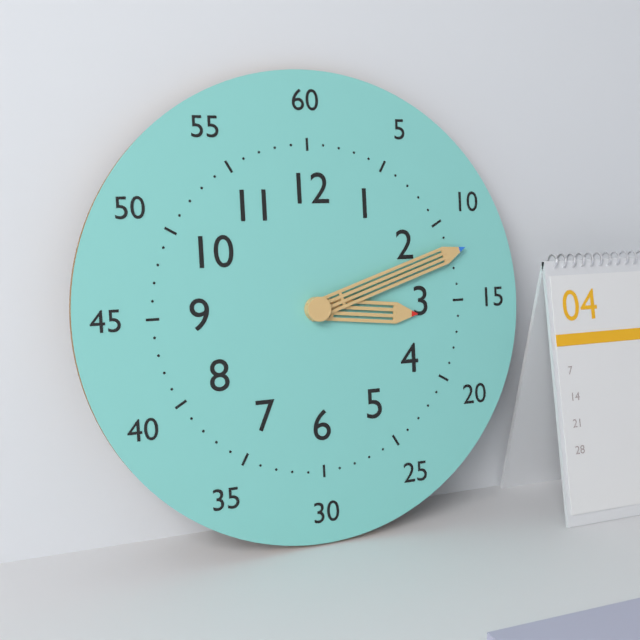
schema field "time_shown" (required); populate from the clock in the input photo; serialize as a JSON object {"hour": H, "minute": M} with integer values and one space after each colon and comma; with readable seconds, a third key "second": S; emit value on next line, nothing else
{"hour": 3, "minute": 12}
